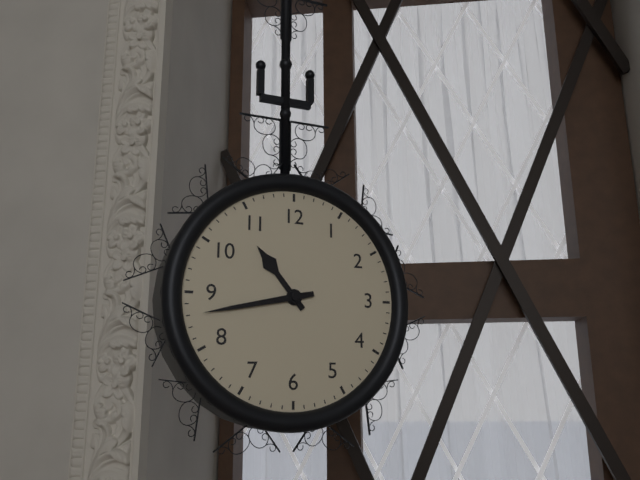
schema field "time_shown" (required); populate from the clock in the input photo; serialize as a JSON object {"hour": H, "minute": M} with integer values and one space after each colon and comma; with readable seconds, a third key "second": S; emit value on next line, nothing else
{"hour": 10, "minute": 43}
